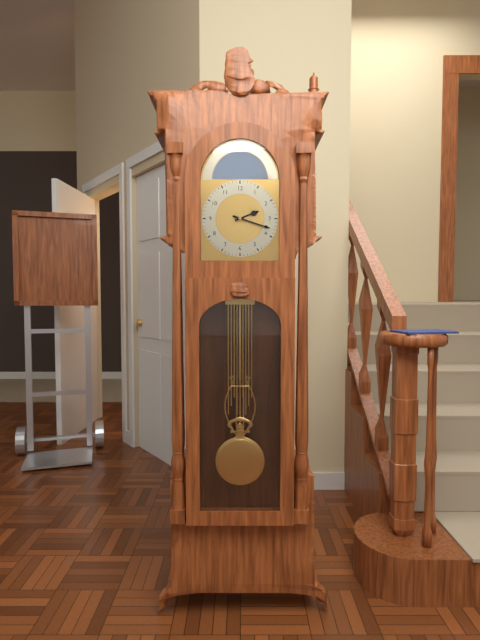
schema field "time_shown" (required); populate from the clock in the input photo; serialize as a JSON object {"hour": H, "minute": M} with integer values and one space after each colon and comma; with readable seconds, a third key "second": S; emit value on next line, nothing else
{"hour": 2, "minute": 18}
